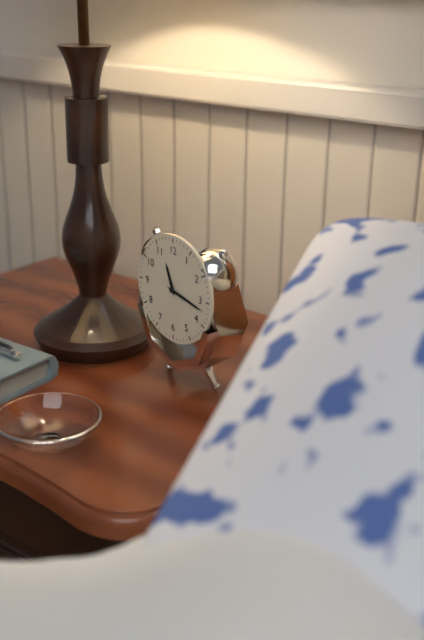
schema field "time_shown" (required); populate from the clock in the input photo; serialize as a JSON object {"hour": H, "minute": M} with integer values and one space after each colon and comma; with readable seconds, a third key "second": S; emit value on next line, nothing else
{"hour": 11, "minute": 17}
